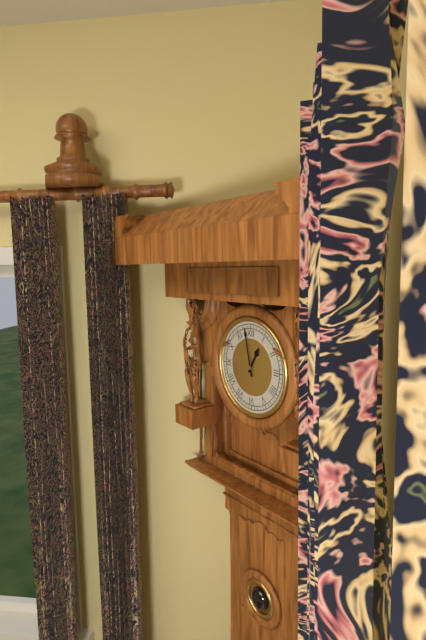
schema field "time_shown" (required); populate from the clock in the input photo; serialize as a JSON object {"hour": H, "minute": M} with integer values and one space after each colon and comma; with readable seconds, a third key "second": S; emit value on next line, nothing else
{"hour": 12, "minute": 58}
